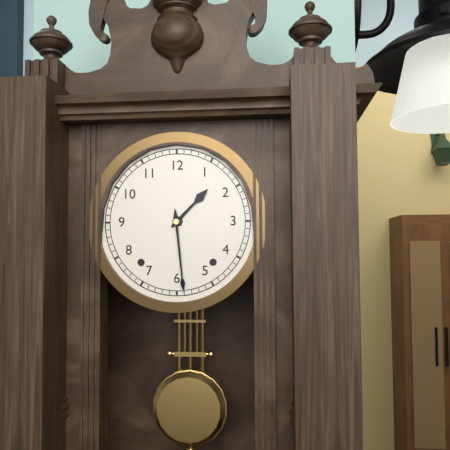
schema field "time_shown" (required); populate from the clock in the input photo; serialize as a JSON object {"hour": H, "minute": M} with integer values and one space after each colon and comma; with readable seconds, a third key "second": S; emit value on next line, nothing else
{"hour": 1, "minute": 29}
